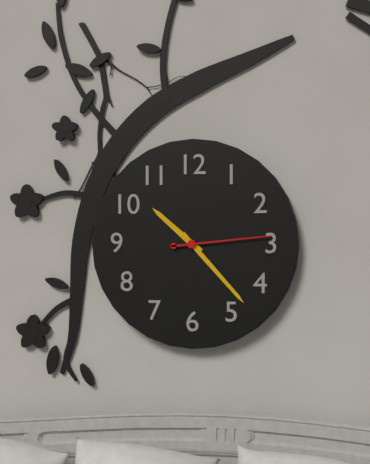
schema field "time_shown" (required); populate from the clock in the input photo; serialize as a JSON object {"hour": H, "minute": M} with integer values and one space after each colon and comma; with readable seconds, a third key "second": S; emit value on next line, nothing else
{"hour": 10, "minute": 23, "second": 14}
